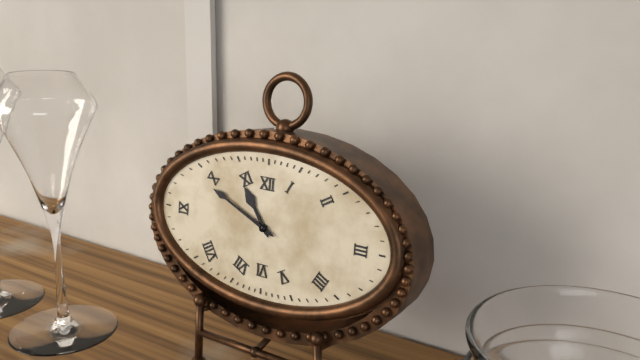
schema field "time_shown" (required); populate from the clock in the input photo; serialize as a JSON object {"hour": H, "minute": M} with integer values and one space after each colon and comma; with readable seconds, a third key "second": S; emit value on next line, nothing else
{"hour": 10, "minute": 49}
